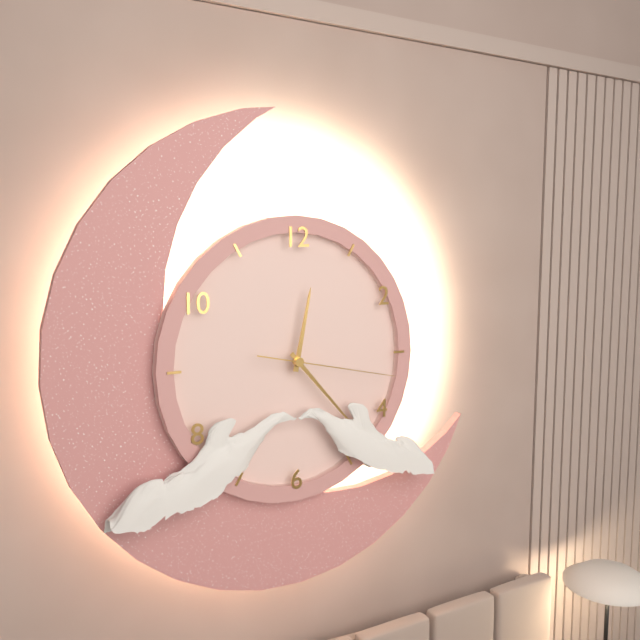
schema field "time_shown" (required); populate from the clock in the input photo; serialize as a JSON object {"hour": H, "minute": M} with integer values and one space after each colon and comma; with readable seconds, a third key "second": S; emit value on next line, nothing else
{"hour": 12, "minute": 23, "second": 17}
